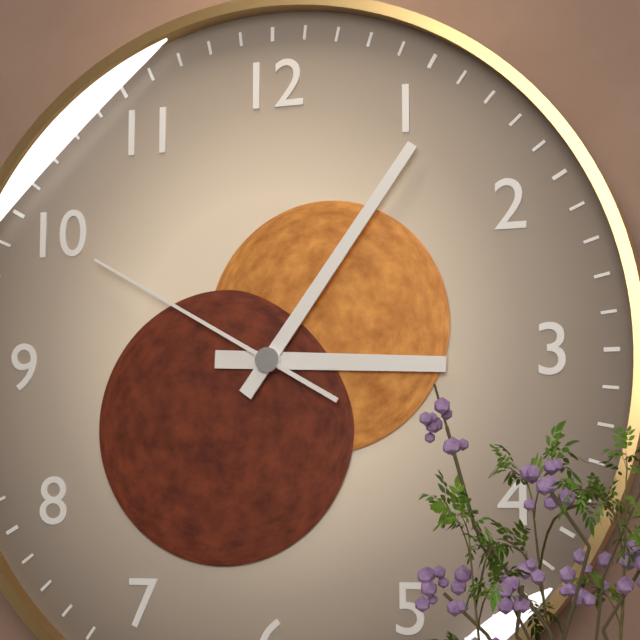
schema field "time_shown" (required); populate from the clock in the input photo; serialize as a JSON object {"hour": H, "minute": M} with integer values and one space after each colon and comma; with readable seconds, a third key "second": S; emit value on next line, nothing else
{"hour": 3, "minute": 6, "second": 50}
